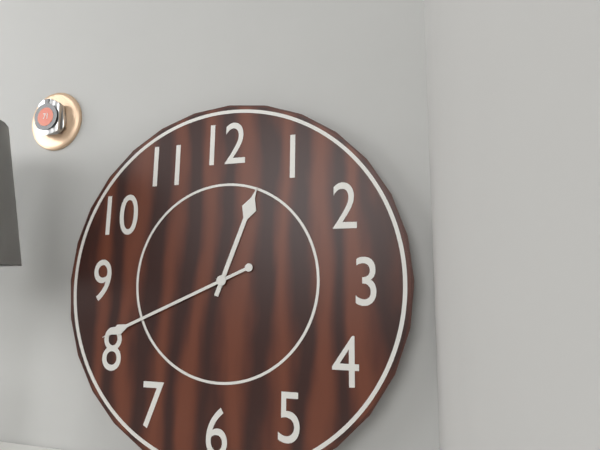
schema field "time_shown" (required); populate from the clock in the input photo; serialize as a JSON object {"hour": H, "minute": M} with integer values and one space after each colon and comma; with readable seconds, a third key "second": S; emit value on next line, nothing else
{"hour": 12, "minute": 41}
